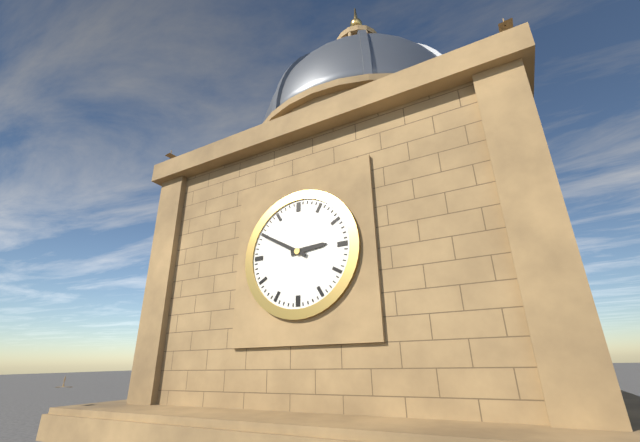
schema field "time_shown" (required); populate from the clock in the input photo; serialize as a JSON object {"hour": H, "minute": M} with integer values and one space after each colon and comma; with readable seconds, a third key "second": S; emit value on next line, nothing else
{"hour": 2, "minute": 50}
